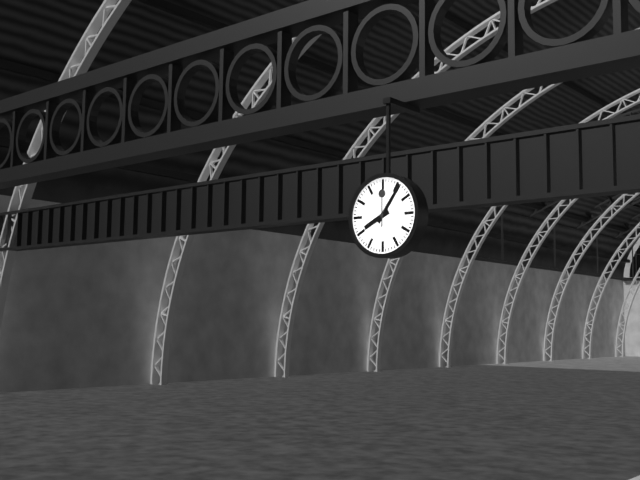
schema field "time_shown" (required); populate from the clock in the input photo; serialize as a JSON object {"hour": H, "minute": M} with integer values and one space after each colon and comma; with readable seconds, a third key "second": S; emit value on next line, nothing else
{"hour": 8, "minute": 6}
